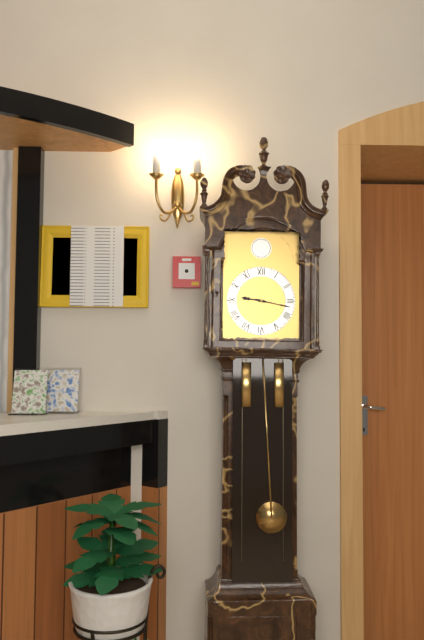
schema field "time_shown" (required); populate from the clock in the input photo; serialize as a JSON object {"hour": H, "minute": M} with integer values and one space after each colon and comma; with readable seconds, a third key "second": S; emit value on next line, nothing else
{"hour": 9, "minute": 17}
